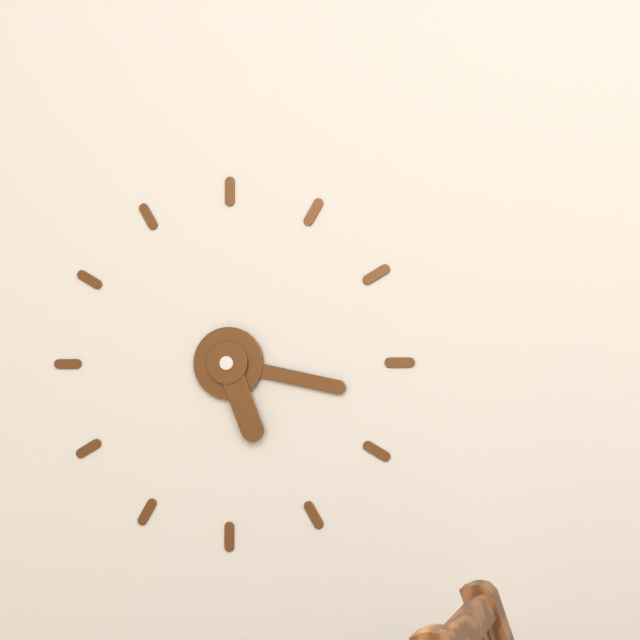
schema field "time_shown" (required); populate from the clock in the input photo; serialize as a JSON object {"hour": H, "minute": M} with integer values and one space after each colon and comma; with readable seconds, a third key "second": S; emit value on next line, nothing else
{"hour": 5, "minute": 17}
